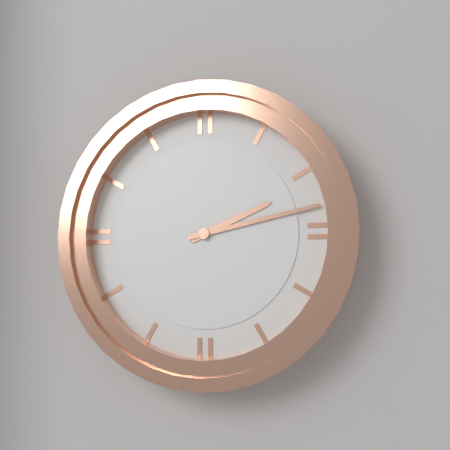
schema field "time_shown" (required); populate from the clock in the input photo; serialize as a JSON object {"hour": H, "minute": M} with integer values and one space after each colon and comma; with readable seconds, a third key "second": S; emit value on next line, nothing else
{"hour": 2, "minute": 13}
